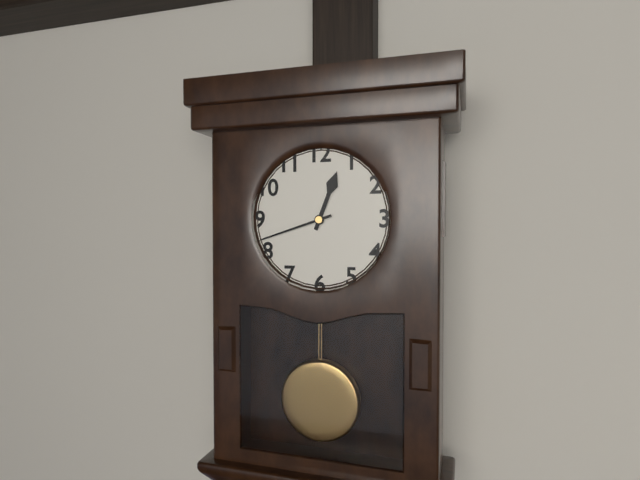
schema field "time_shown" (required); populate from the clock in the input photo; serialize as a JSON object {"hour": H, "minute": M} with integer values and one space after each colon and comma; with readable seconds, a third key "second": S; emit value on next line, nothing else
{"hour": 12, "minute": 42}
